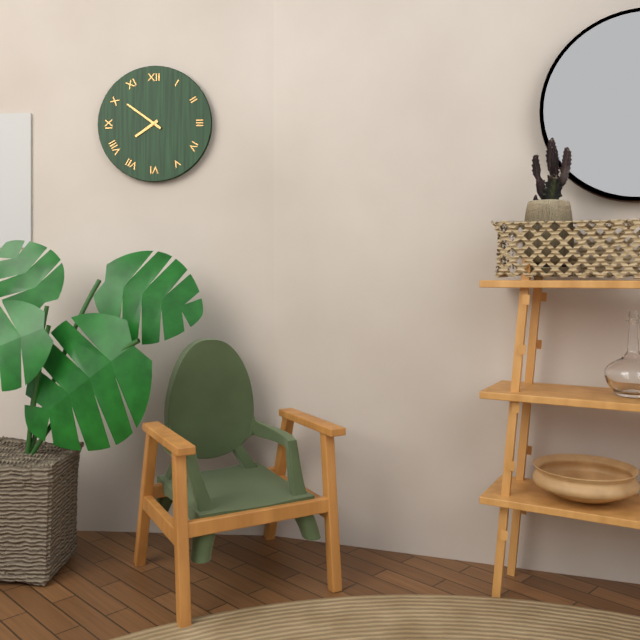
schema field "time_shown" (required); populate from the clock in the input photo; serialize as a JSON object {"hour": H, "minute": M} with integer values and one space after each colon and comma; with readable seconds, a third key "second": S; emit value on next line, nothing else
{"hour": 7, "minute": 51}
